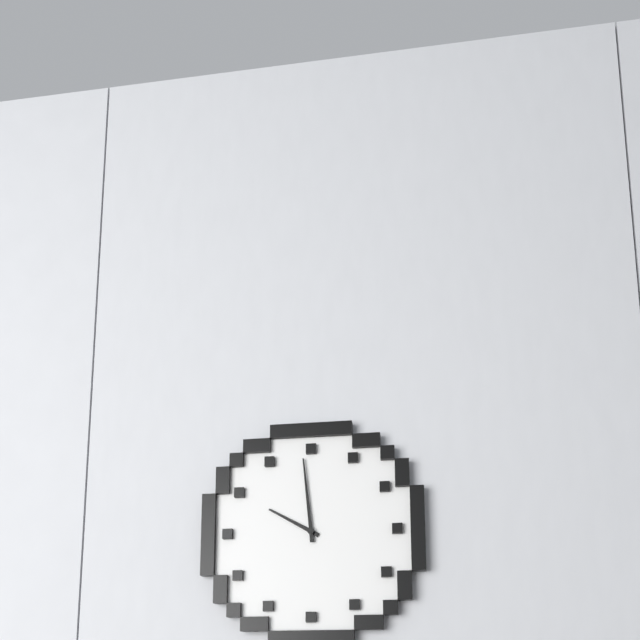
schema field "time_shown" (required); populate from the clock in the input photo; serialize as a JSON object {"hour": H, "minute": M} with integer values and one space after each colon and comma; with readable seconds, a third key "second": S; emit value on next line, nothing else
{"hour": 9, "minute": 59}
